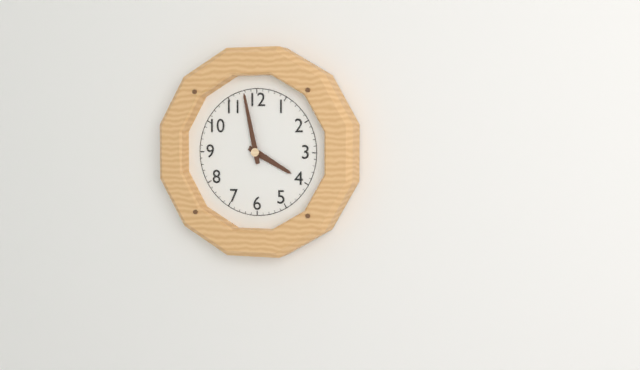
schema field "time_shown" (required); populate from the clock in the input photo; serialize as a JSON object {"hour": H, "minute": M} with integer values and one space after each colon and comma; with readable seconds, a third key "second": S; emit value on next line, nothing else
{"hour": 3, "minute": 58}
